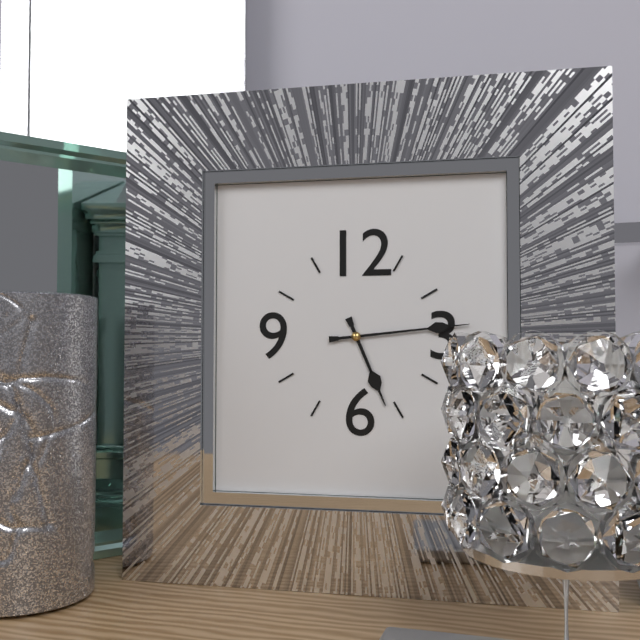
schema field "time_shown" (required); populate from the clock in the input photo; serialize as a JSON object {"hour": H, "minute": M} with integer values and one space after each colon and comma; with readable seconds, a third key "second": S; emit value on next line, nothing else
{"hour": 5, "minute": 14}
